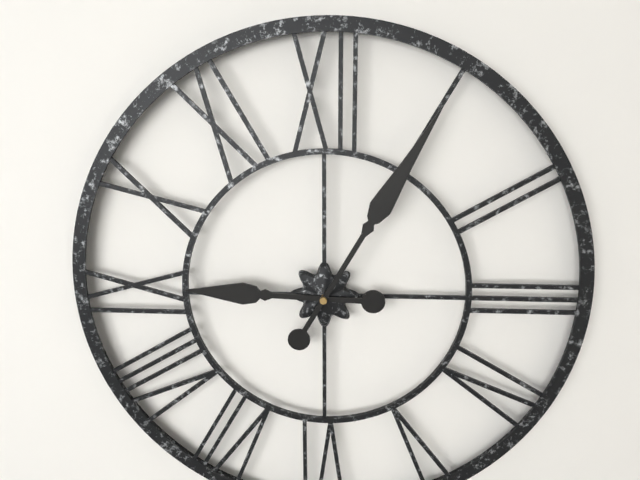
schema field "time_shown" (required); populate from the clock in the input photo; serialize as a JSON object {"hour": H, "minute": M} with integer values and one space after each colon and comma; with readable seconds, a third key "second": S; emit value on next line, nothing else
{"hour": 9, "minute": 5}
